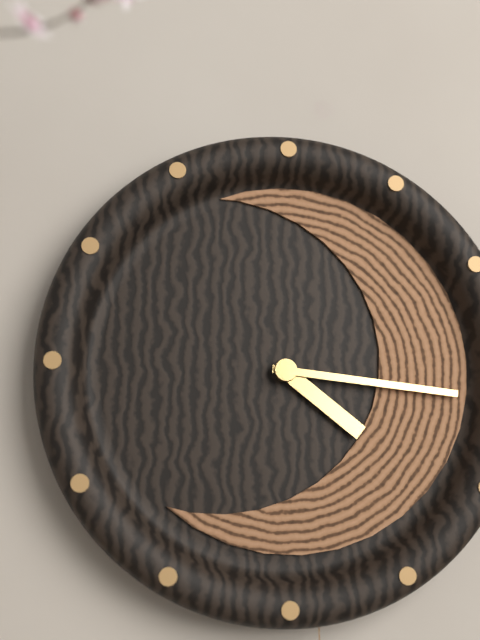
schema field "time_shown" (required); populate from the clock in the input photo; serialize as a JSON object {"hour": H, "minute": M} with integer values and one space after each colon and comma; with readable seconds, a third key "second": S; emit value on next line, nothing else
{"hour": 4, "minute": 16}
